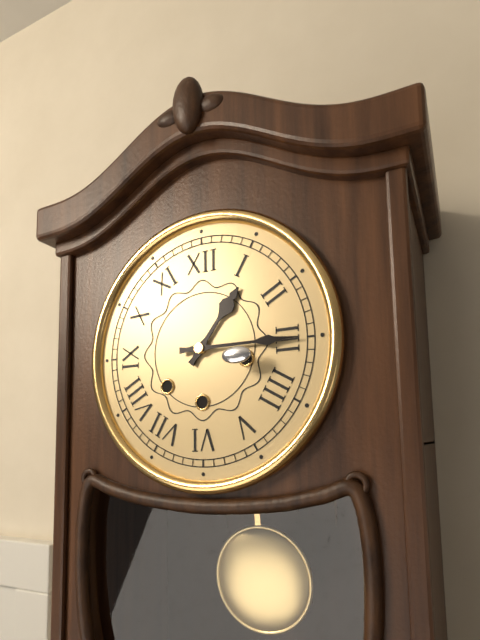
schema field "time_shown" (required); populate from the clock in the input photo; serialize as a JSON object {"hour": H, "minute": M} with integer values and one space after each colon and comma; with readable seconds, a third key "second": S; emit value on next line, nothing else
{"hour": 1, "minute": 15}
